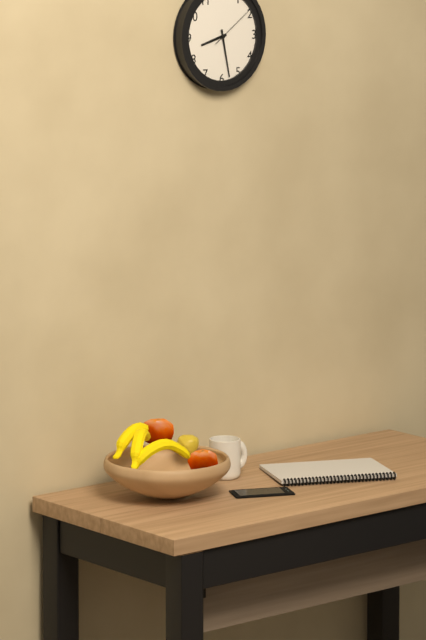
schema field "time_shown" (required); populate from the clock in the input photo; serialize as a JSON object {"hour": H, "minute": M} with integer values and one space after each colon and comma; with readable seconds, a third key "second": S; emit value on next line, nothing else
{"hour": 8, "minute": 28}
